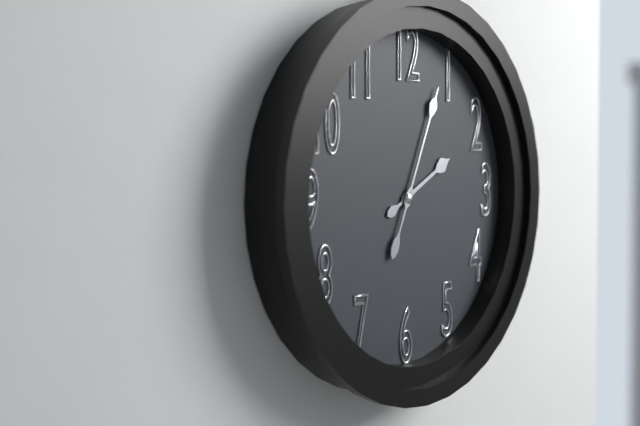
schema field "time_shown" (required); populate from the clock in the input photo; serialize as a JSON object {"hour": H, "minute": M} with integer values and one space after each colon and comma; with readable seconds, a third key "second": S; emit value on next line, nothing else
{"hour": 2, "minute": 4}
